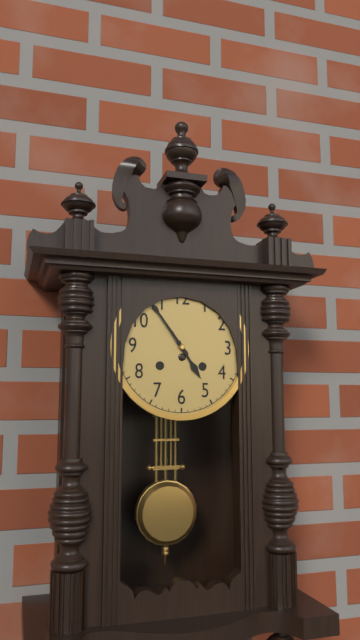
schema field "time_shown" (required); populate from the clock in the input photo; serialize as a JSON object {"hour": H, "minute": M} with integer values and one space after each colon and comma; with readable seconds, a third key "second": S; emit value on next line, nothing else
{"hour": 4, "minute": 54}
